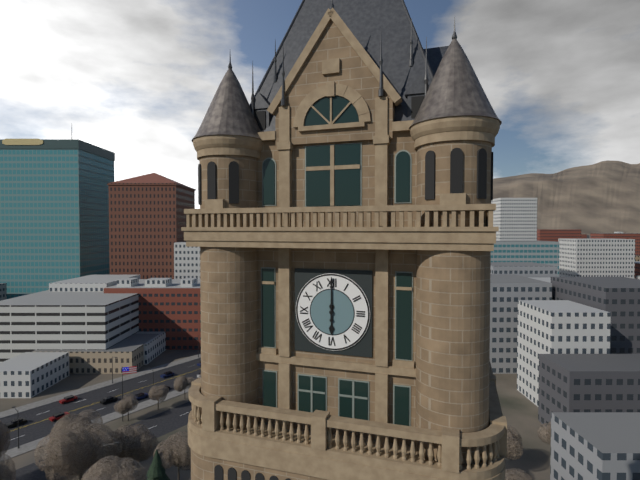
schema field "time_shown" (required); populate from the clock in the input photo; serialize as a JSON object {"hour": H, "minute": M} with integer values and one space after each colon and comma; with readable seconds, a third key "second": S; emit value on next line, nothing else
{"hour": 6, "minute": 0}
